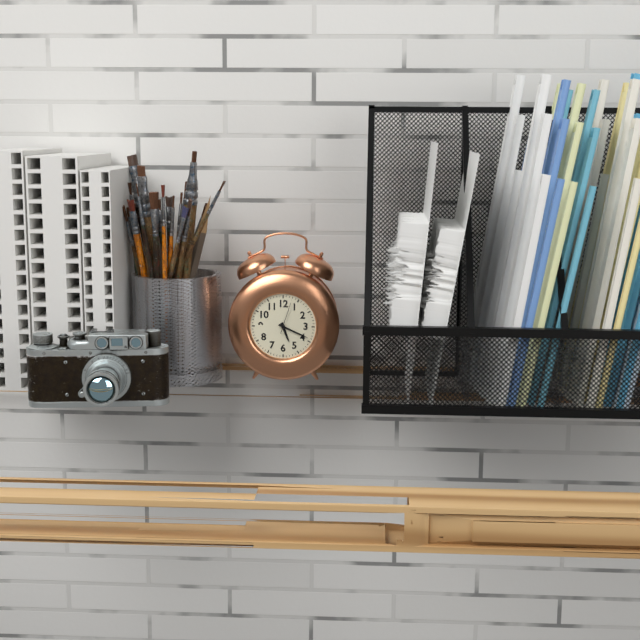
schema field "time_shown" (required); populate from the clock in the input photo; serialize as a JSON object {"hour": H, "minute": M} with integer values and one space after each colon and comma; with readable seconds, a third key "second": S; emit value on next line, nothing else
{"hour": 5, "minute": 19}
